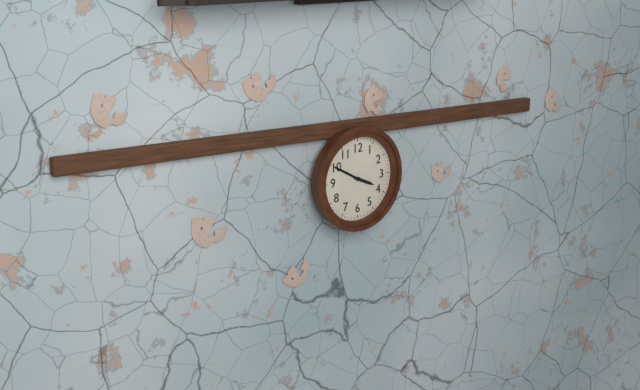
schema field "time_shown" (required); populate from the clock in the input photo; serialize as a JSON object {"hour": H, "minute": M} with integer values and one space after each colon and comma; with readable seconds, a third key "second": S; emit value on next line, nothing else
{"hour": 3, "minute": 50}
